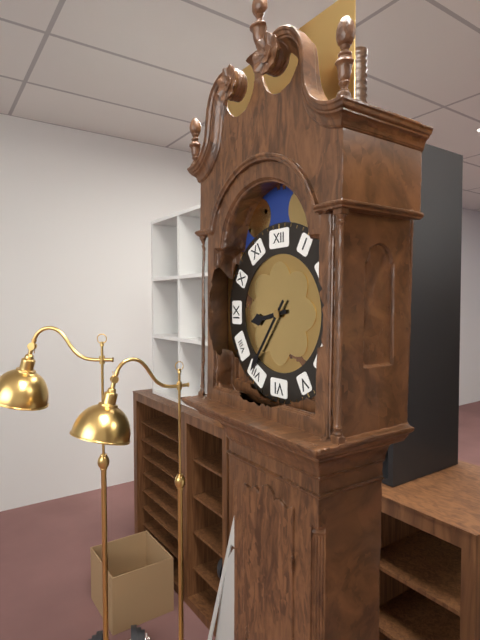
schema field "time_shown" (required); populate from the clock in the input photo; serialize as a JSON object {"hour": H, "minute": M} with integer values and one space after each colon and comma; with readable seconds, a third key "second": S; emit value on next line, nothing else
{"hour": 8, "minute": 36}
